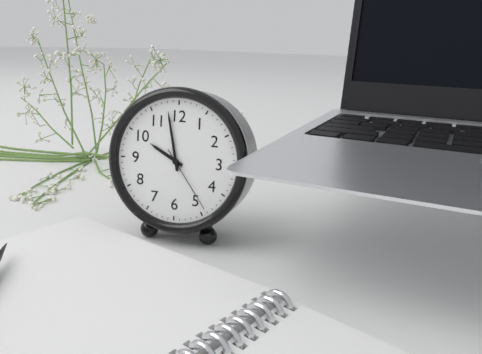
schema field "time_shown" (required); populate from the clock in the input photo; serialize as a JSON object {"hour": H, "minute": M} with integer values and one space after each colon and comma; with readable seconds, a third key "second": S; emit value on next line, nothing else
{"hour": 9, "minute": 58, "second": 24}
